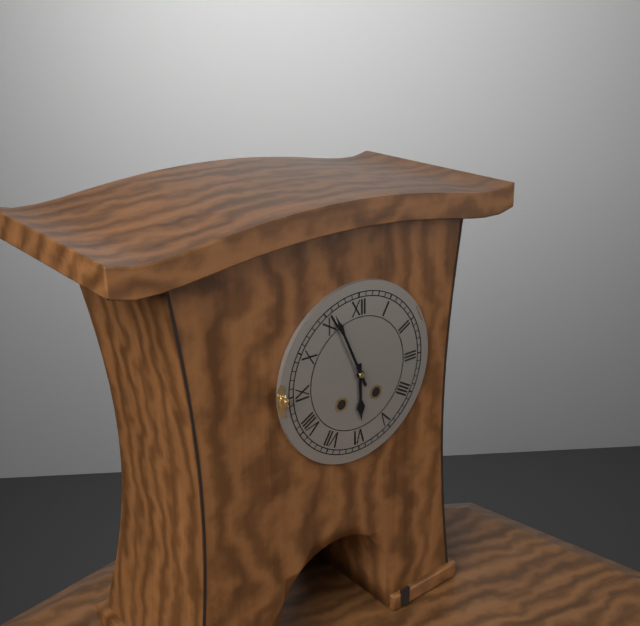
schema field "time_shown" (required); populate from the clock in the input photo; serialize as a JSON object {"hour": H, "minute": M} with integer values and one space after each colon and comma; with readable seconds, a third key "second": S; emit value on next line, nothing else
{"hour": 5, "minute": 56}
